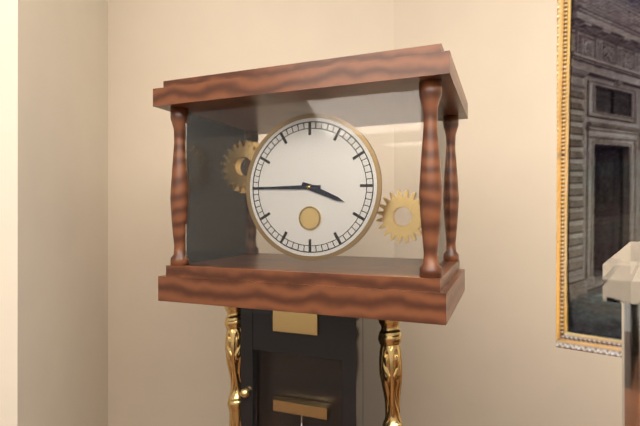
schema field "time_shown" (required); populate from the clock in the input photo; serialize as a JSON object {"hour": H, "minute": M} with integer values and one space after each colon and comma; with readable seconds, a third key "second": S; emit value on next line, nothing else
{"hour": 3, "minute": 45}
